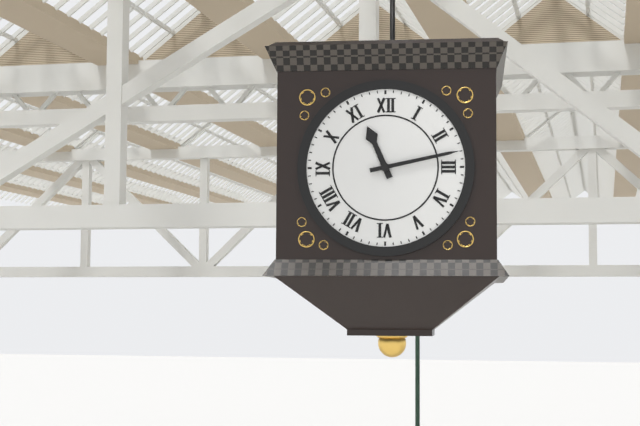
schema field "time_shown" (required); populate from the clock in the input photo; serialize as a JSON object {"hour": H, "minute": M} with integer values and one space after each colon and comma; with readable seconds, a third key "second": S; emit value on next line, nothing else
{"hour": 11, "minute": 13}
